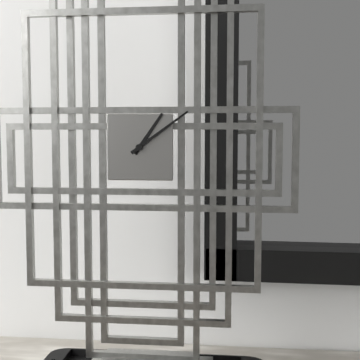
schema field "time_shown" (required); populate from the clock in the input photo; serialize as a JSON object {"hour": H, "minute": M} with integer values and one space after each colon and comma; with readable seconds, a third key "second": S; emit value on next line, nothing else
{"hour": 1, "minute": 9}
